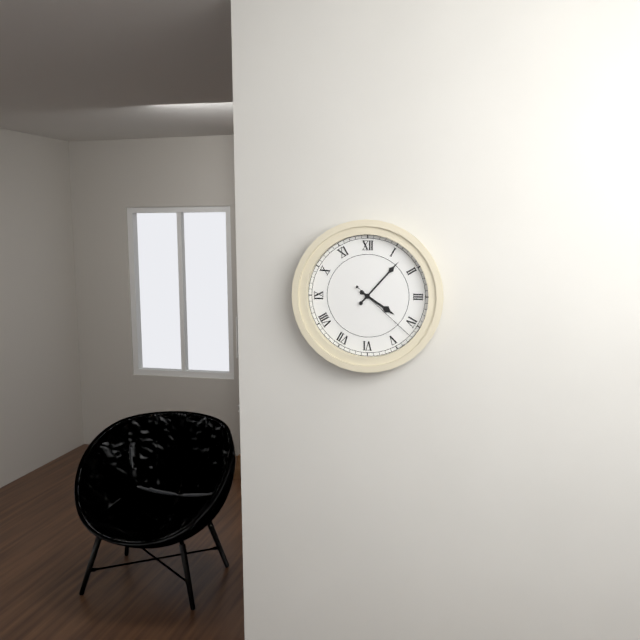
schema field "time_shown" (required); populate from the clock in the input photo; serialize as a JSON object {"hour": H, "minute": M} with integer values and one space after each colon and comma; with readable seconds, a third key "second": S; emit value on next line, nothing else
{"hour": 4, "minute": 7, "second": 22}
